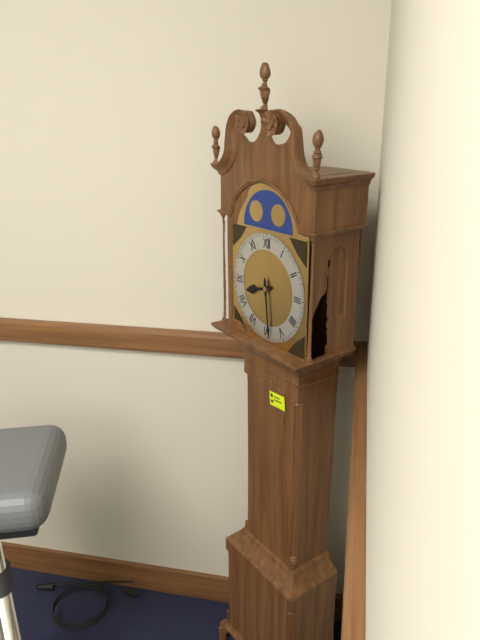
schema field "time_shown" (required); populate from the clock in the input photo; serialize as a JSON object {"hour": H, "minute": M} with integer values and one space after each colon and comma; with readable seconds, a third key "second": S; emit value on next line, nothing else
{"hour": 8, "minute": 29}
